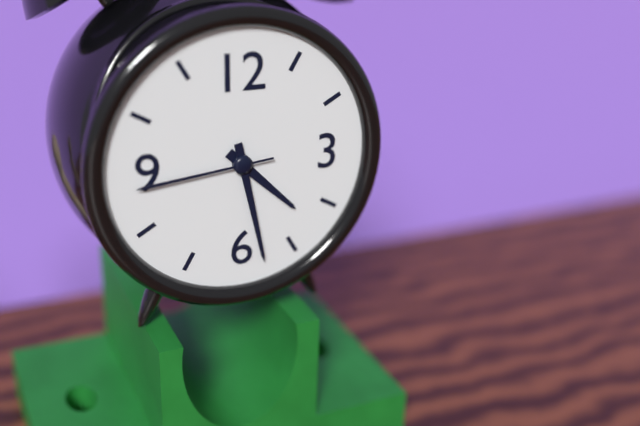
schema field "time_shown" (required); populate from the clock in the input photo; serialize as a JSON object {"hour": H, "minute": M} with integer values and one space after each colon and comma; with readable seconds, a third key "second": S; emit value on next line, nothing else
{"hour": 4, "minute": 28, "second": 44}
